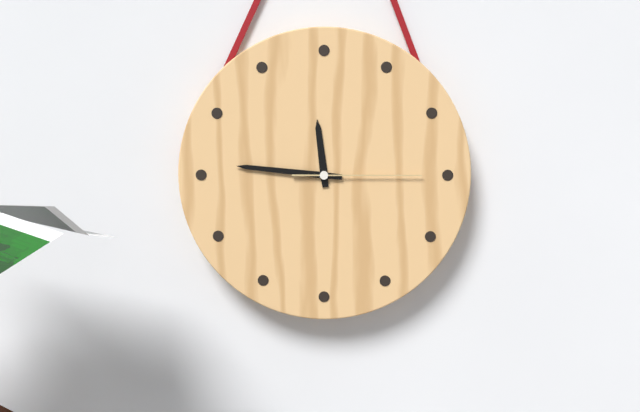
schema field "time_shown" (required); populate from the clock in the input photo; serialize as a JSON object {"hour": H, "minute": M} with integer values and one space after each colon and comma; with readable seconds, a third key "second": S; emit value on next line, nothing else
{"hour": 11, "minute": 46, "second": 15}
